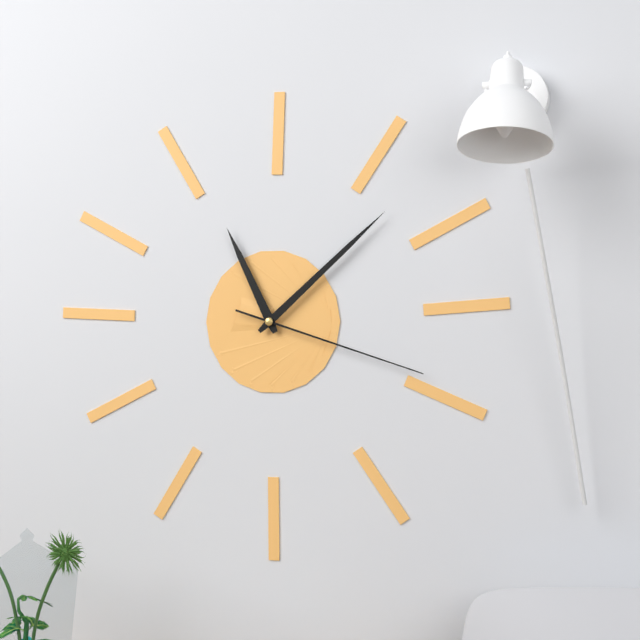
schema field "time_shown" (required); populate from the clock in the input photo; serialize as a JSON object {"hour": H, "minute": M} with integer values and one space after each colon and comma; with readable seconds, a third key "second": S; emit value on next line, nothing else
{"hour": 11, "minute": 8, "second": 18}
